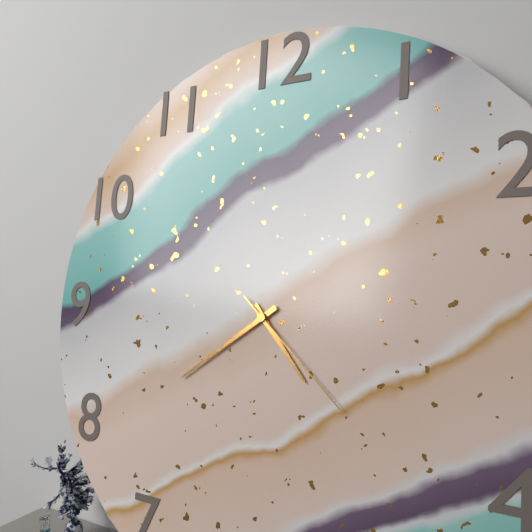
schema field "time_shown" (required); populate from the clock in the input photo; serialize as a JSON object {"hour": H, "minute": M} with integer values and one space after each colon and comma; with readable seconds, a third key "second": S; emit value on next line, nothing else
{"hour": 4, "minute": 39, "second": 22}
